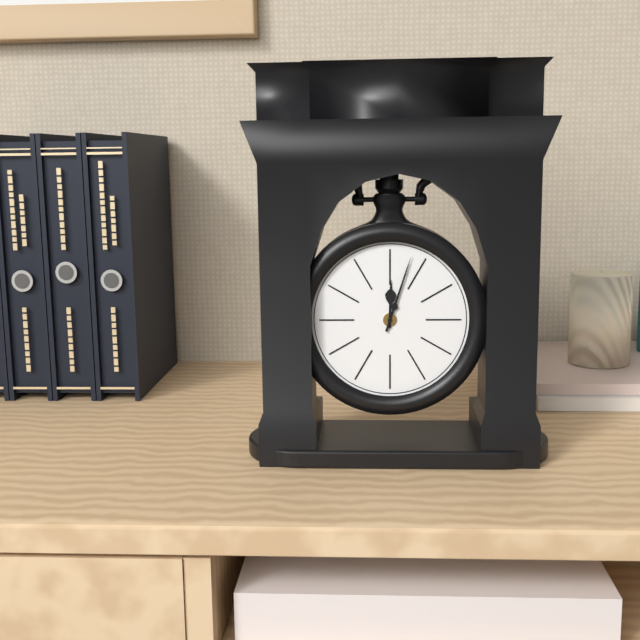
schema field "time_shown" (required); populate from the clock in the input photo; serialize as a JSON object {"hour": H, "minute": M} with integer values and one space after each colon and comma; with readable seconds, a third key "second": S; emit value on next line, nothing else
{"hour": 12, "minute": 3}
